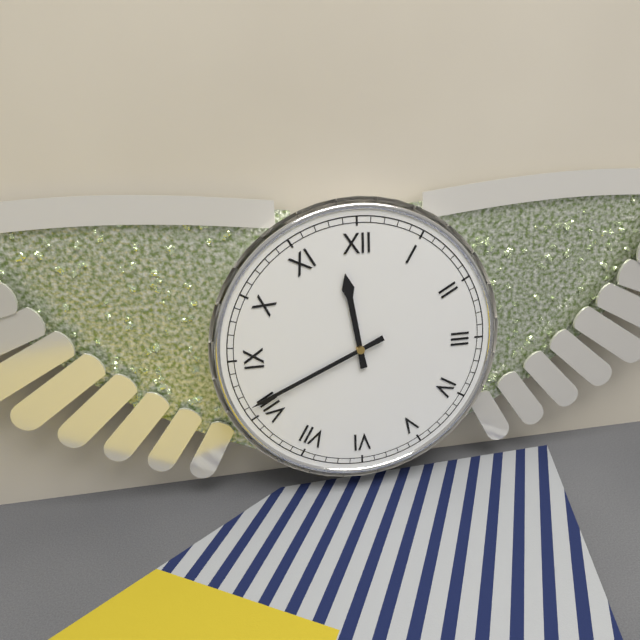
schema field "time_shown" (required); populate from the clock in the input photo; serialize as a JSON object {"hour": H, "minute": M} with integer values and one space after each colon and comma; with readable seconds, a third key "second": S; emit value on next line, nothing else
{"hour": 11, "minute": 41}
